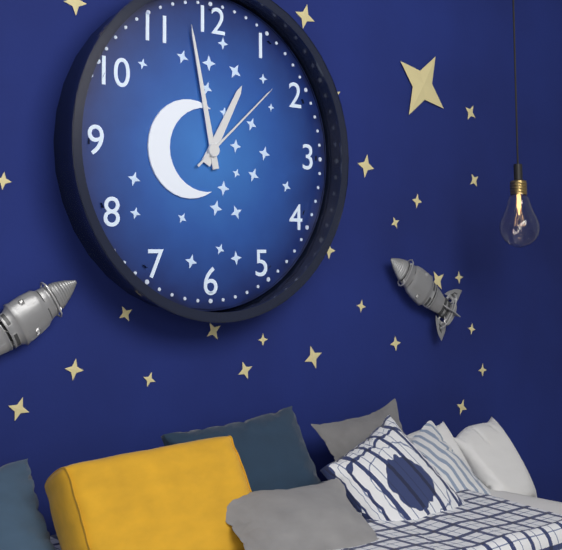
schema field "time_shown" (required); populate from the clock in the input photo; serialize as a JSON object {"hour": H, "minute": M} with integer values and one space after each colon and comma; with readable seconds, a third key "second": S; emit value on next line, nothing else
{"hour": 12, "minute": 58, "second": 8}
